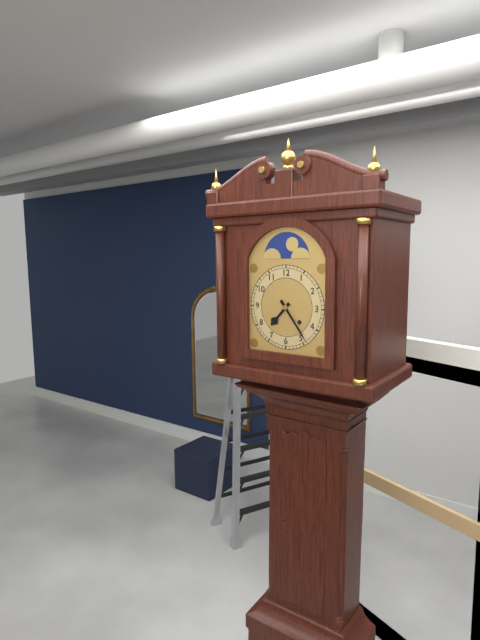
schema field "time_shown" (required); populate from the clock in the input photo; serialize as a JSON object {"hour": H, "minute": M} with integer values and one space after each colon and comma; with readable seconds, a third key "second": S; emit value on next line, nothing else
{"hour": 7, "minute": 24}
